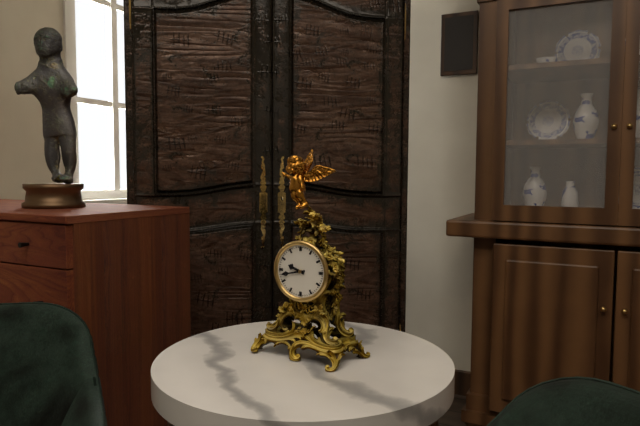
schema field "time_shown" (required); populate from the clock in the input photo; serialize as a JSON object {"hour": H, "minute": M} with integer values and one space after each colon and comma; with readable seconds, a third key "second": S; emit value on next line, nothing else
{"hour": 9, "minute": 43}
